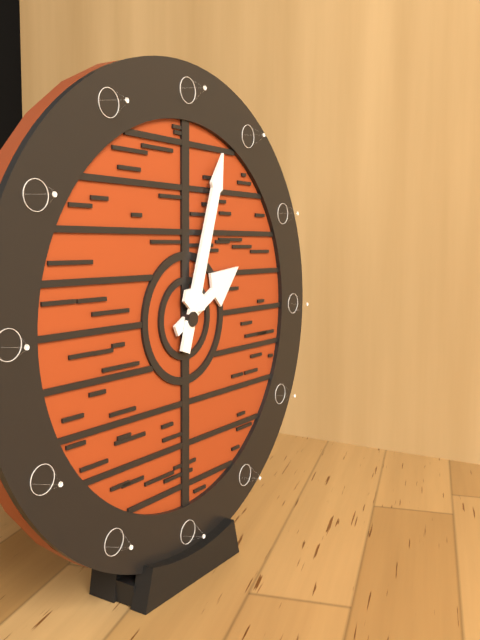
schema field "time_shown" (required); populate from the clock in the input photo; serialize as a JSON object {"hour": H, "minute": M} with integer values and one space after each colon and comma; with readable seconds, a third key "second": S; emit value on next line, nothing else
{"hour": 2, "minute": 3}
